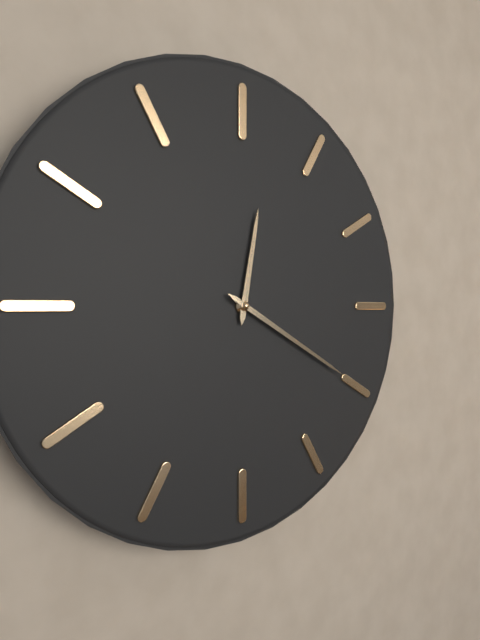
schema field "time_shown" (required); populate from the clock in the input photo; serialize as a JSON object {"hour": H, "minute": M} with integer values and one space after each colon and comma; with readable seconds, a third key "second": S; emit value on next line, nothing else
{"hour": 12, "minute": 20}
